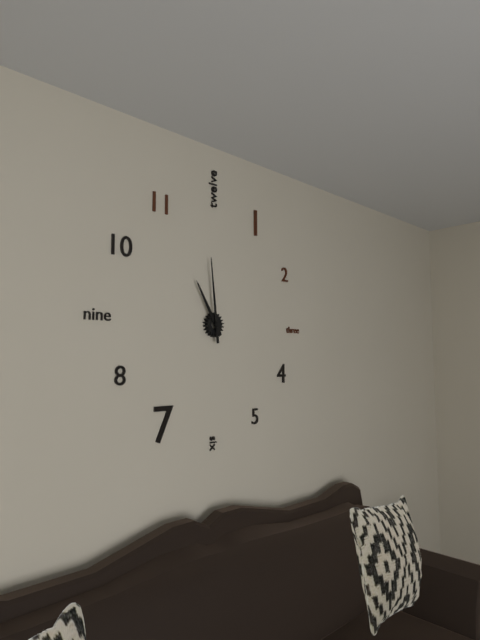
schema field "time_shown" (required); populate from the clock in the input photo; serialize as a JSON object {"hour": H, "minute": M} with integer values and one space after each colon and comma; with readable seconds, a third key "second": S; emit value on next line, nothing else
{"hour": 10, "minute": 59}
